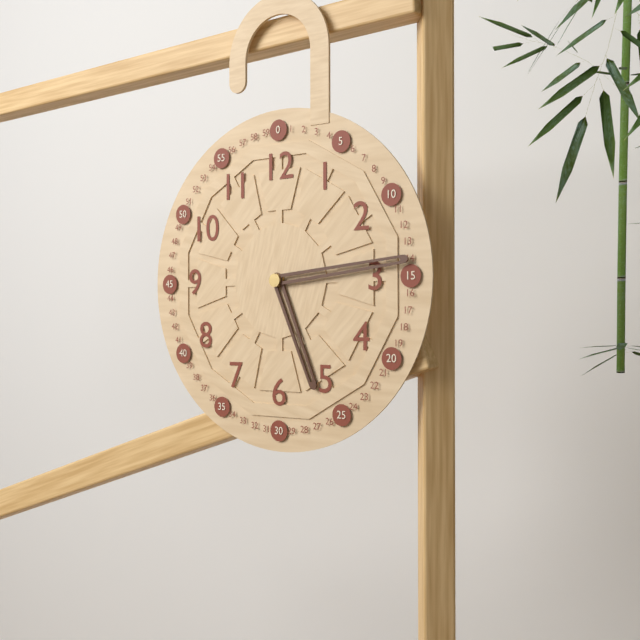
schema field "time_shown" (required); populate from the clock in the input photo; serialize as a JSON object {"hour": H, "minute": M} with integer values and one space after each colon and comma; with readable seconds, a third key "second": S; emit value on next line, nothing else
{"hour": 5, "minute": 14}
